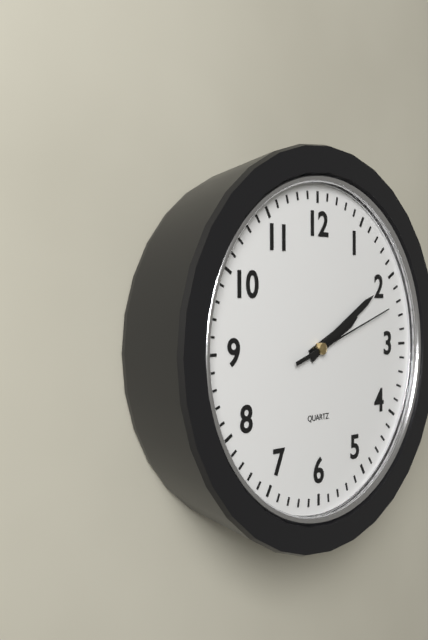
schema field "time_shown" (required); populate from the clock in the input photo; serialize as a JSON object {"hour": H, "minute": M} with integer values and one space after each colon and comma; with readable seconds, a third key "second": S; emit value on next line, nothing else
{"hour": 2, "minute": 10, "second": 12}
